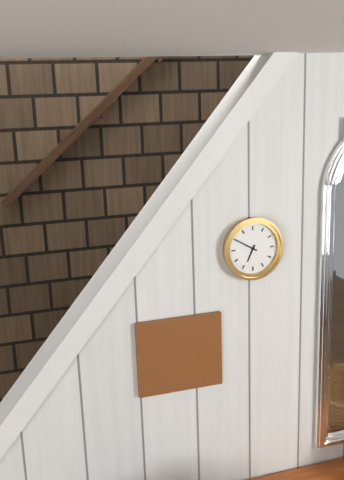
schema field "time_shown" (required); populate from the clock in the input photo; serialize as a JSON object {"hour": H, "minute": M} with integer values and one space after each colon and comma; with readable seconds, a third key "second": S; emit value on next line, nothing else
{"hour": 6, "minute": 50}
